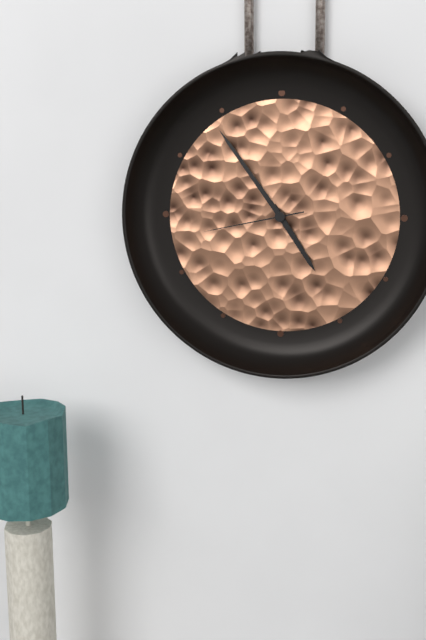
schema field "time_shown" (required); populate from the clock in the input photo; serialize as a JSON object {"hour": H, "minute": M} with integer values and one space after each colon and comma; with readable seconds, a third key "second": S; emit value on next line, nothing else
{"hour": 4, "minute": 54, "second": 43}
